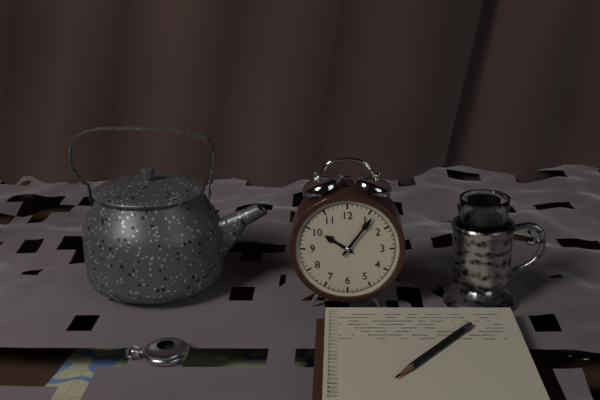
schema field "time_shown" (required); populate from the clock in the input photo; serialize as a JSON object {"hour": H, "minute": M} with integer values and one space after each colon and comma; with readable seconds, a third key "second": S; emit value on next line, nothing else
{"hour": 10, "minute": 6}
